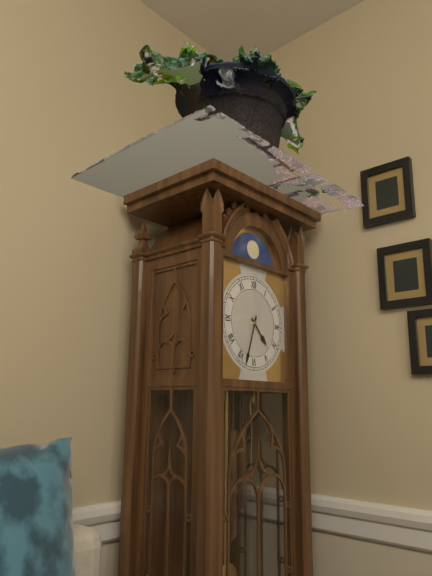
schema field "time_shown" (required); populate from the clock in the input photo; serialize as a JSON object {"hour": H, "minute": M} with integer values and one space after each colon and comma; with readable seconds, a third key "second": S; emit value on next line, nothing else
{"hour": 4, "minute": 33}
